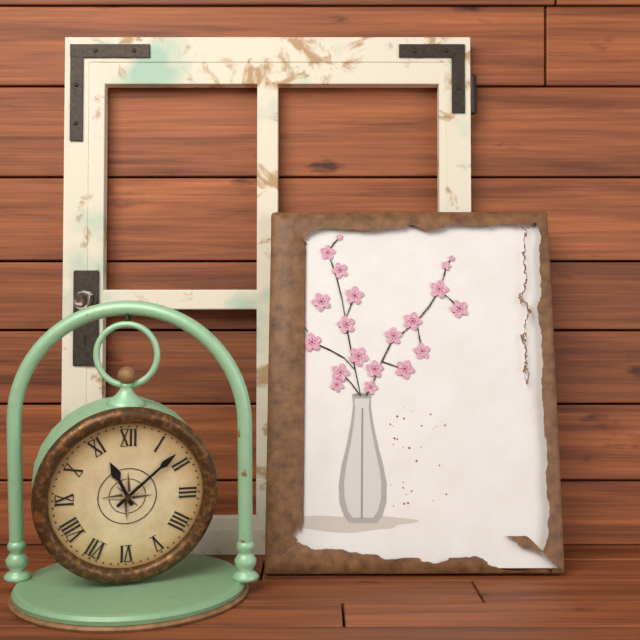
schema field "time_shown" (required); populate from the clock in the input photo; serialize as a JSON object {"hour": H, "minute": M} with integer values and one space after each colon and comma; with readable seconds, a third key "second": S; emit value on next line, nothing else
{"hour": 11, "minute": 8}
